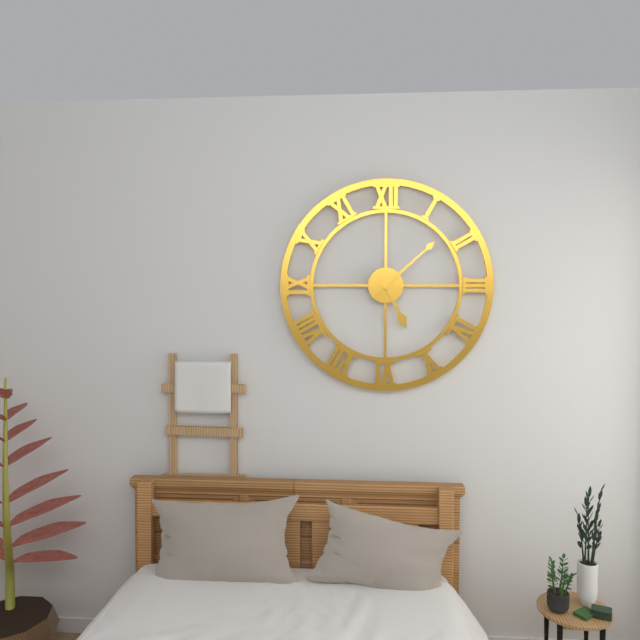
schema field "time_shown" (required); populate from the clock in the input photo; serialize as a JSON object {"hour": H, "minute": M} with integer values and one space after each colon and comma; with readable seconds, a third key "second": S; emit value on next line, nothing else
{"hour": 5, "minute": 8}
